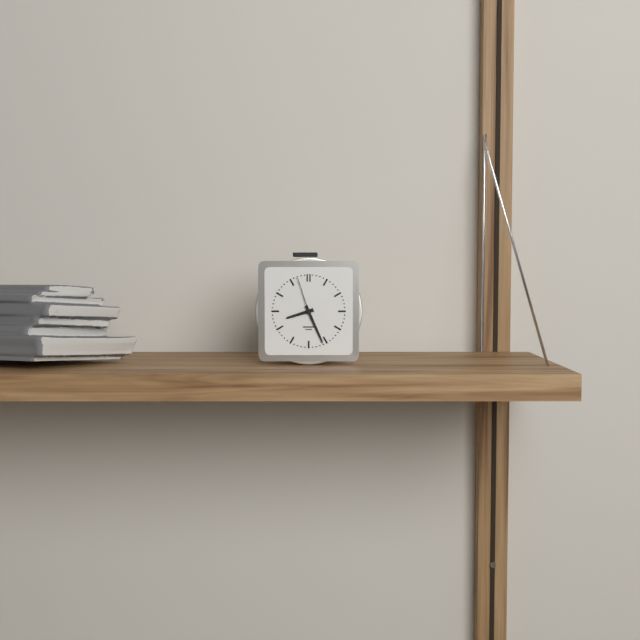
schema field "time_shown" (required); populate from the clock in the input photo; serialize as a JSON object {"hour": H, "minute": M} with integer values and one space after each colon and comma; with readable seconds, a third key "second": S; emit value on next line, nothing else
{"hour": 8, "minute": 26}
